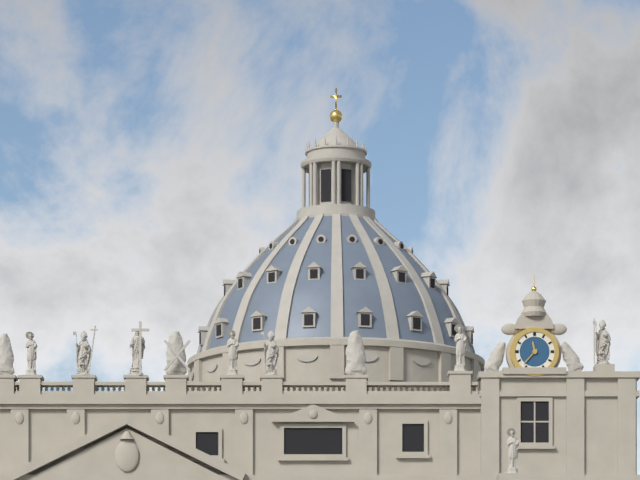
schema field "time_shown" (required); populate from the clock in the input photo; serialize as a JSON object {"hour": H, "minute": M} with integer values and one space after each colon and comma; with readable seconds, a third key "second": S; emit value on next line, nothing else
{"hour": 11, "minute": 37}
